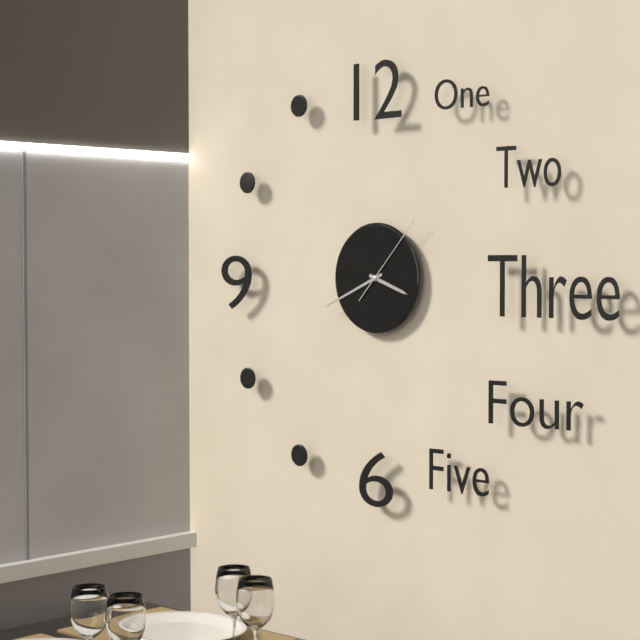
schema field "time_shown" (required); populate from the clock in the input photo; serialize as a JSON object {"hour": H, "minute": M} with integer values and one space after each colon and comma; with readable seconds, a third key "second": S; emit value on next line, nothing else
{"hour": 3, "minute": 41, "second": 7}
